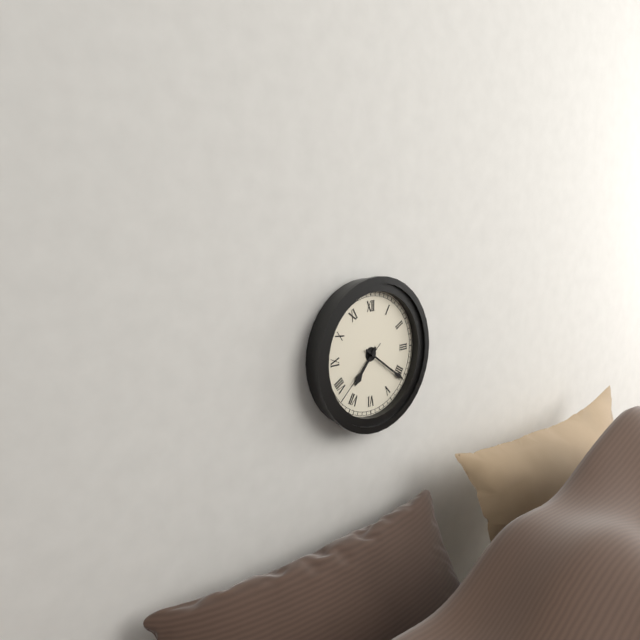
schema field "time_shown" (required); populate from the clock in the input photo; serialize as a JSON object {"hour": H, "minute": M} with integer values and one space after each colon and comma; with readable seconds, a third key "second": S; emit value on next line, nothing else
{"hour": 7, "minute": 21, "second": 38}
